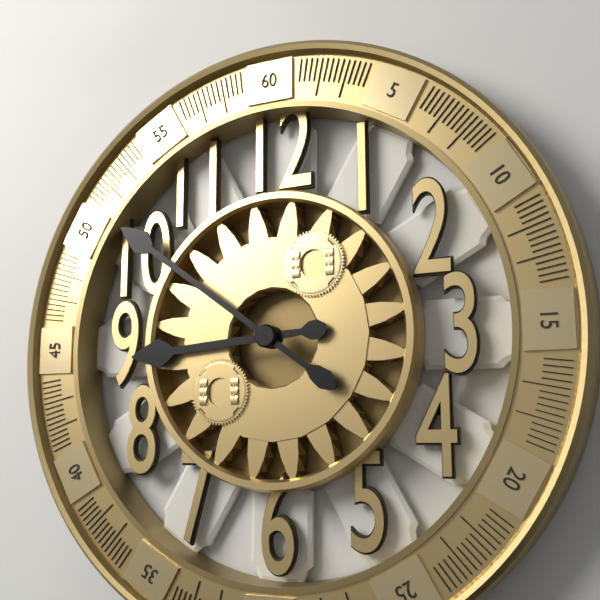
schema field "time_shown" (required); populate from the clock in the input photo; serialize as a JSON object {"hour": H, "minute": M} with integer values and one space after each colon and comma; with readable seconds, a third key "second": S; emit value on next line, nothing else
{"hour": 8, "minute": 51}
